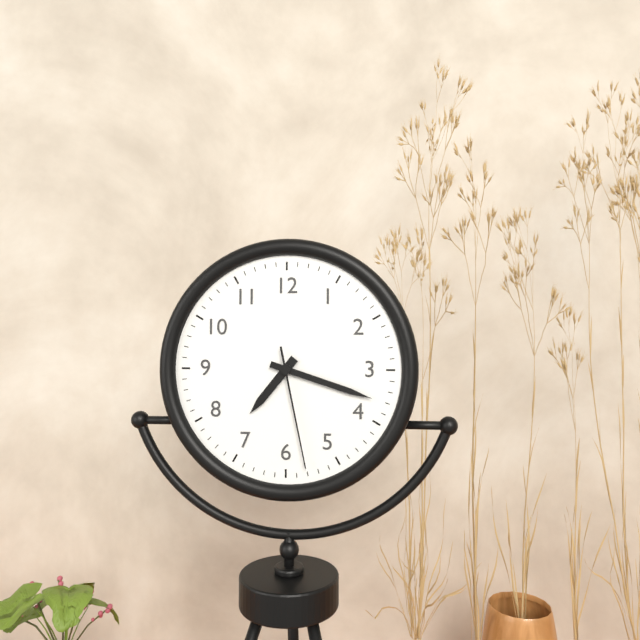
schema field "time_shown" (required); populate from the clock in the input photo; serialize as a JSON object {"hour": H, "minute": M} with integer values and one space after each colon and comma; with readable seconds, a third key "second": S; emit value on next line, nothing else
{"hour": 7, "minute": 18, "second": 28}
